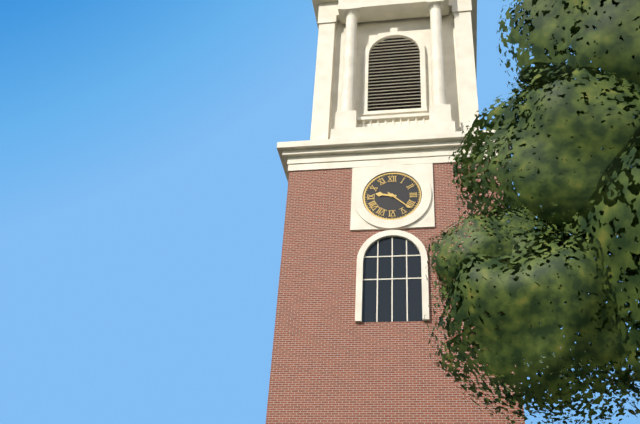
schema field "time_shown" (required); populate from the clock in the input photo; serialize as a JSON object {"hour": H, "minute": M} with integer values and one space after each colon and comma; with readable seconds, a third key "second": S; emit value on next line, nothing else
{"hour": 9, "minute": 22}
